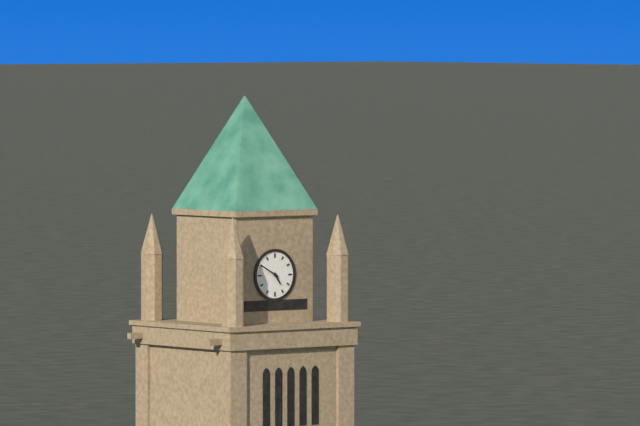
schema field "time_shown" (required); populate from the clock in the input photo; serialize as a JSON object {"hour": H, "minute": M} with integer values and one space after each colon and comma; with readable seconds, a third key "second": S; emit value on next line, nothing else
{"hour": 4, "minute": 50}
